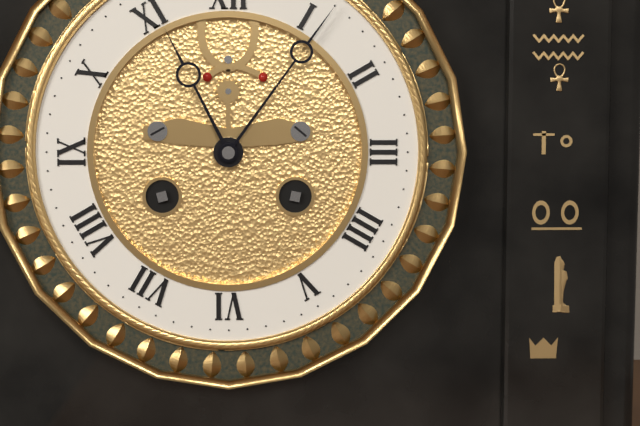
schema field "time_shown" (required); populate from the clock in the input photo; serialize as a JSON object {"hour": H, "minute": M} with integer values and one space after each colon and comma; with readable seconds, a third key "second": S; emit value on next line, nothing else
{"hour": 11, "minute": 6}
